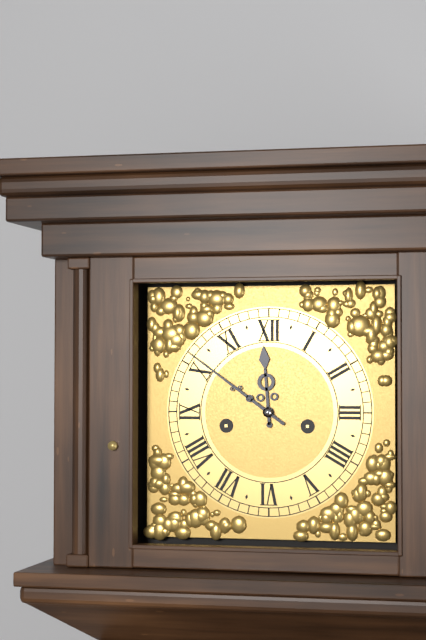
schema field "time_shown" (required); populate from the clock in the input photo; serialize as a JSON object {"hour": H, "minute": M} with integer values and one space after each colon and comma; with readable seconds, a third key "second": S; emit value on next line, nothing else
{"hour": 11, "minute": 51}
